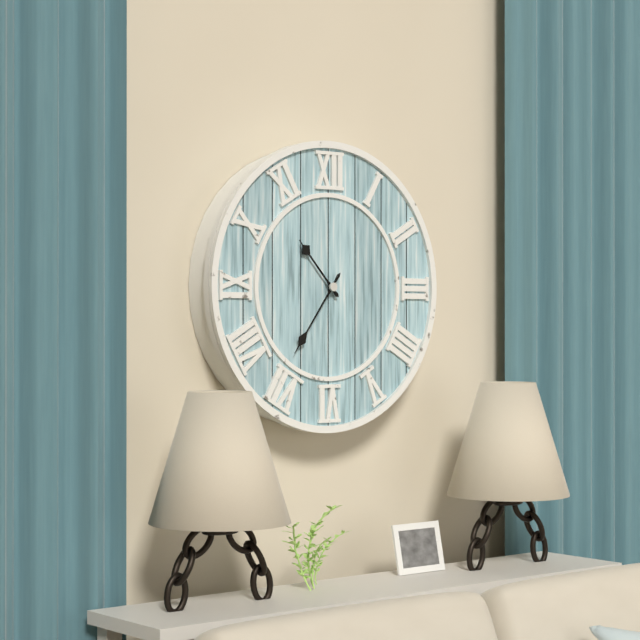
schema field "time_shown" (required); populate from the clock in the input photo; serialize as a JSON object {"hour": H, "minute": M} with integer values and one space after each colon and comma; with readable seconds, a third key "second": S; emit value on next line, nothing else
{"hour": 10, "minute": 36}
